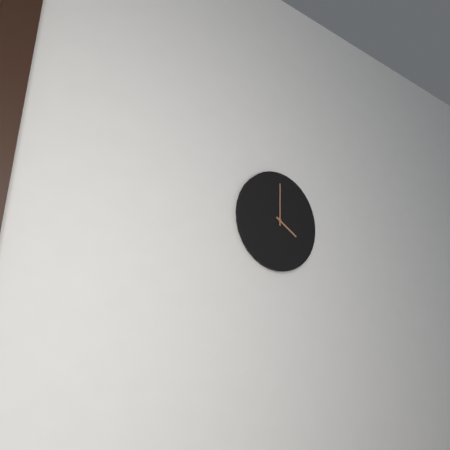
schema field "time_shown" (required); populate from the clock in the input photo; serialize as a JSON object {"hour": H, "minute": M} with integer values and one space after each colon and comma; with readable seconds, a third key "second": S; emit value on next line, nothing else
{"hour": 4, "minute": 0}
